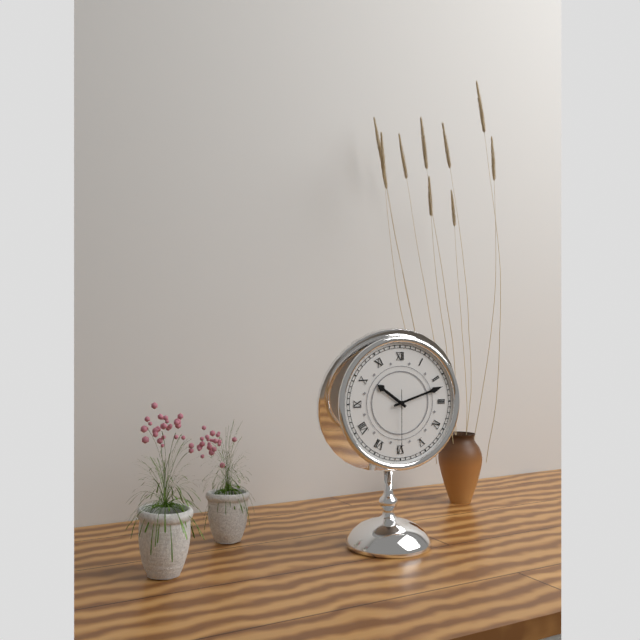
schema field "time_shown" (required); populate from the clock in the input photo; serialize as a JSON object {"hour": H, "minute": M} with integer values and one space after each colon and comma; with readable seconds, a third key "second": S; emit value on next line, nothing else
{"hour": 10, "minute": 12, "second": 30}
